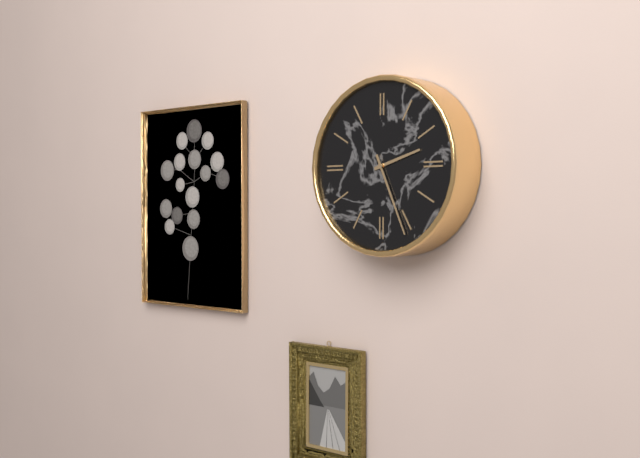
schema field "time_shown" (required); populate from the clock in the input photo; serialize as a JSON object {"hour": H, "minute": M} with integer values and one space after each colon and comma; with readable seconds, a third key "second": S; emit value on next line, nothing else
{"hour": 2, "minute": 26}
